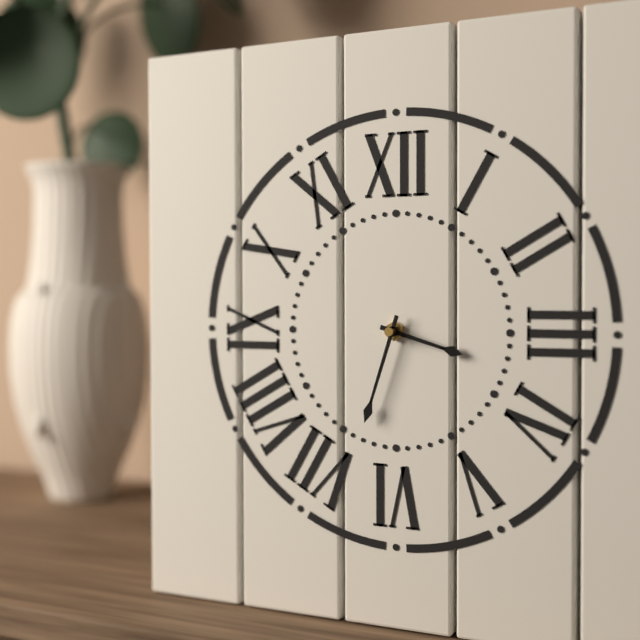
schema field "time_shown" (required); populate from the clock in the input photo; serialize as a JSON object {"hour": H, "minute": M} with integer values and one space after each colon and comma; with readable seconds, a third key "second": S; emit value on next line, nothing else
{"hour": 3, "minute": 33}
